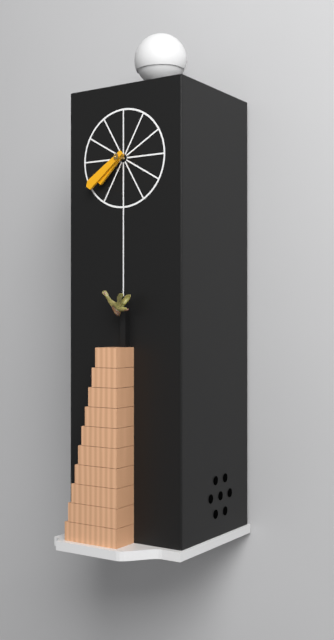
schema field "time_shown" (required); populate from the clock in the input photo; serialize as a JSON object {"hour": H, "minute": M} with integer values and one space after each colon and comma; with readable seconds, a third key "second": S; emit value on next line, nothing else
{"hour": 7, "minute": 39}
